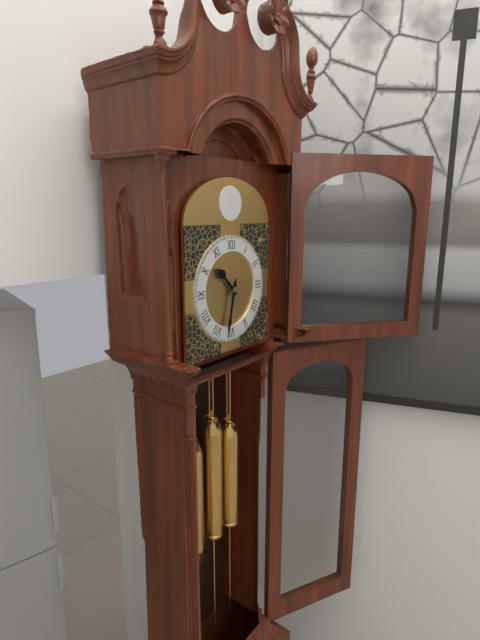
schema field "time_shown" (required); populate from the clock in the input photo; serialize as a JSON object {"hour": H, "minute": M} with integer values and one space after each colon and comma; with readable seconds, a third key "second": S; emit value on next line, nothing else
{"hour": 10, "minute": 32}
